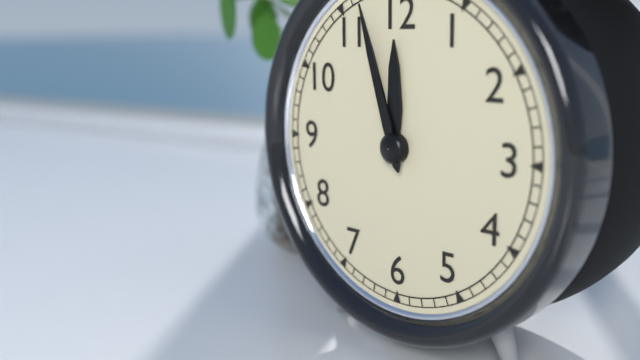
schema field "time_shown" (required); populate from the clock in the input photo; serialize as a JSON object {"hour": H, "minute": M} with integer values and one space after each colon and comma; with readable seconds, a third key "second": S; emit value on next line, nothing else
{"hour": 11, "minute": 57}
